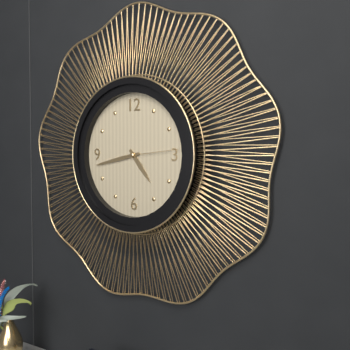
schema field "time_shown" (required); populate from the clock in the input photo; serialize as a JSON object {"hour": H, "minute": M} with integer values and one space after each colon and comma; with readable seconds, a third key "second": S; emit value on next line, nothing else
{"hour": 4, "minute": 43, "second": 14}
